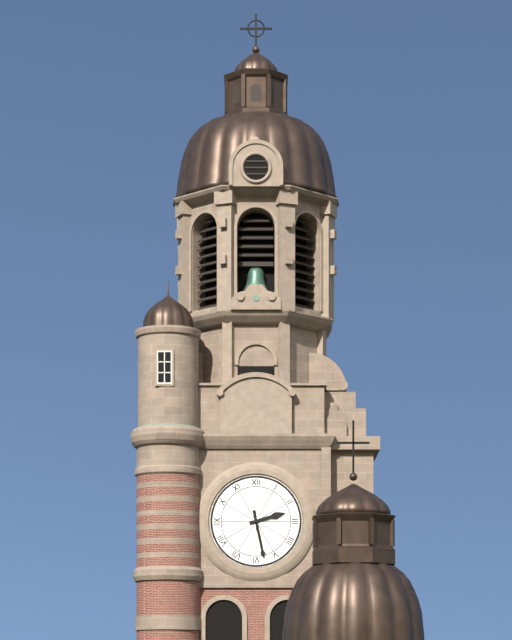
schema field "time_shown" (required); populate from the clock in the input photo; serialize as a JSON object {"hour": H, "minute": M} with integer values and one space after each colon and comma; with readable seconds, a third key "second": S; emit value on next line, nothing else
{"hour": 2, "minute": 28}
